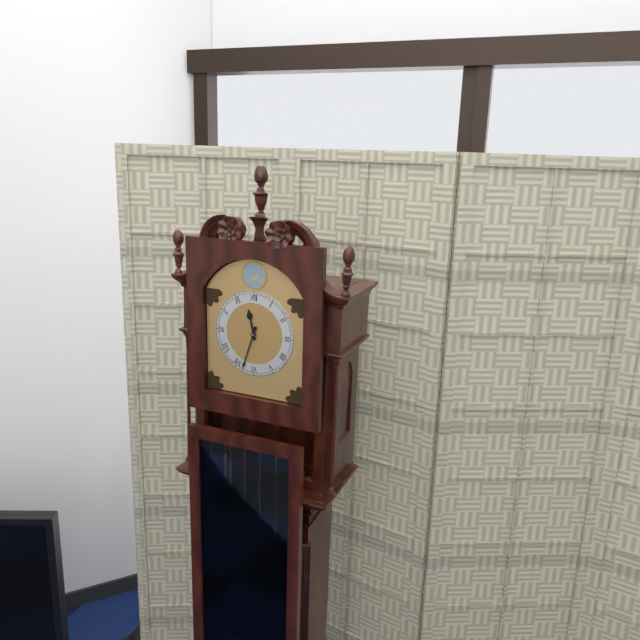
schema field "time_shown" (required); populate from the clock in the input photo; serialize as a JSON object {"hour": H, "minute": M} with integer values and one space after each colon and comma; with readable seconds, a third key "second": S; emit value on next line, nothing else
{"hour": 11, "minute": 33}
